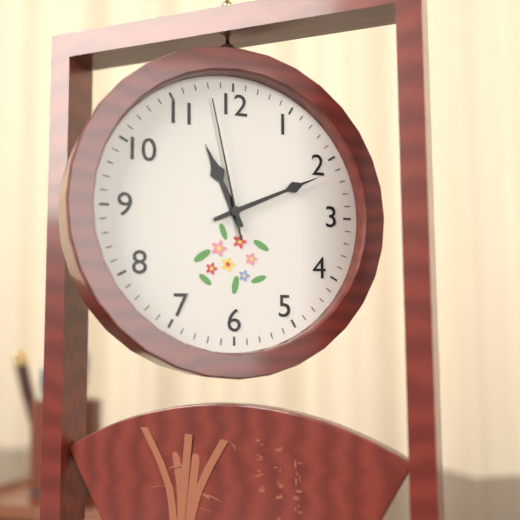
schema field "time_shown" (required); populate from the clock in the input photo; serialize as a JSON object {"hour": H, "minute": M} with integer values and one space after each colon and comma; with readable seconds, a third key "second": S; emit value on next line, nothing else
{"hour": 11, "minute": 11, "second": 58}
